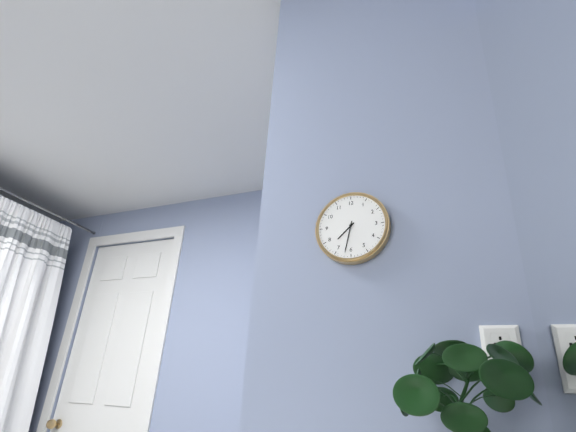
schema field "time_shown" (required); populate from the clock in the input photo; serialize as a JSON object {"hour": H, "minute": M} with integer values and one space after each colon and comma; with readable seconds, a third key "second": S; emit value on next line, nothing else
{"hour": 7, "minute": 32}
